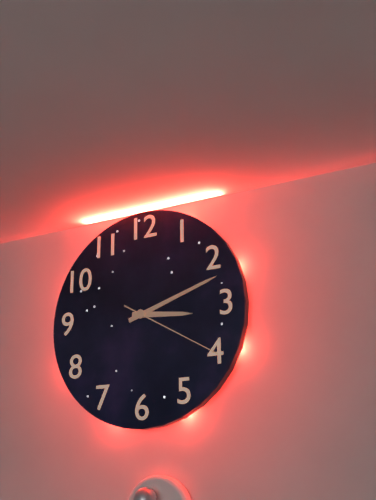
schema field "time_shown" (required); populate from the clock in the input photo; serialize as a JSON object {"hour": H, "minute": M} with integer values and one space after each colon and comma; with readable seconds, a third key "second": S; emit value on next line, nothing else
{"hour": 3, "minute": 12, "second": 20}
